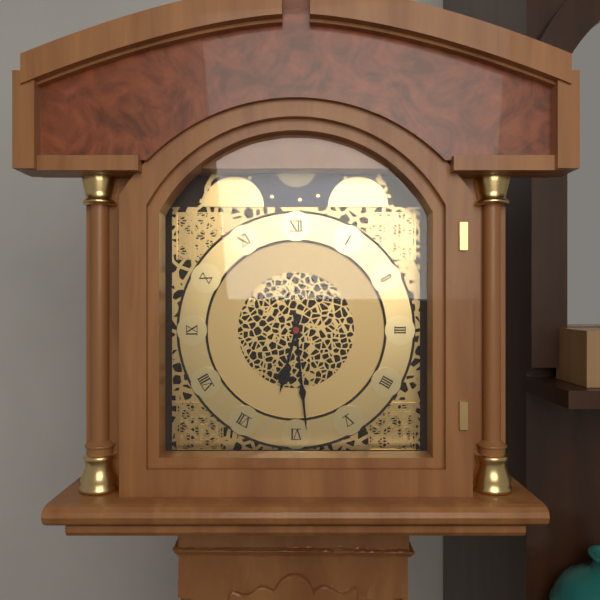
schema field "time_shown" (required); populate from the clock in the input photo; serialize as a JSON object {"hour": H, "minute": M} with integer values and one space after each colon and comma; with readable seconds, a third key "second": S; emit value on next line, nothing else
{"hour": 6, "minute": 29}
